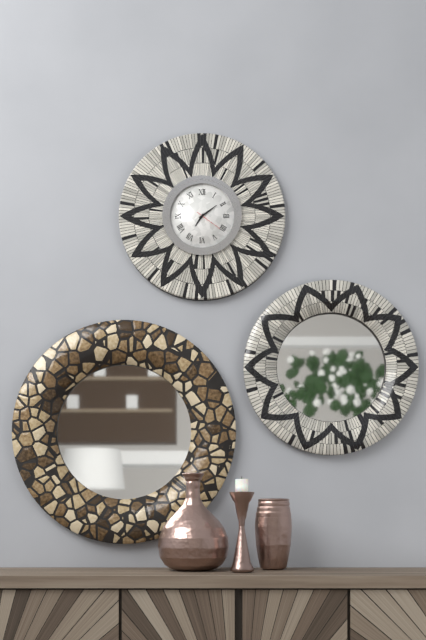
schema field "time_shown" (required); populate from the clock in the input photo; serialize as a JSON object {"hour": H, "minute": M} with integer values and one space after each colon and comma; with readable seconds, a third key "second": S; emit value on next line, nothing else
{"hour": 7, "minute": 9}
